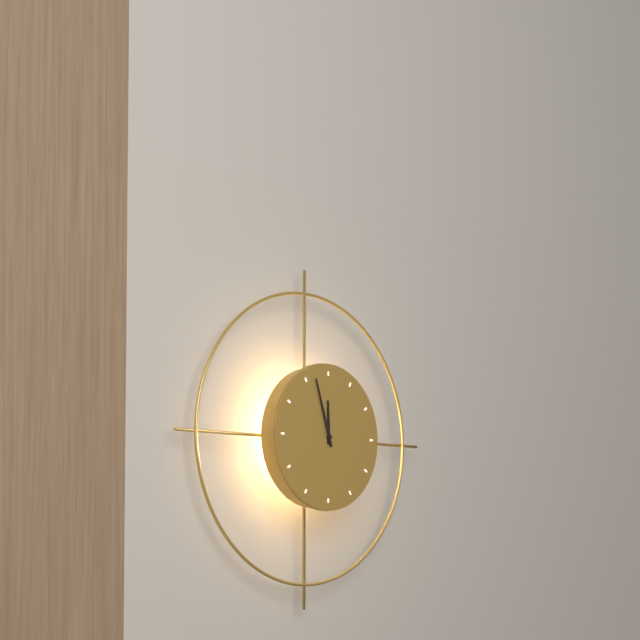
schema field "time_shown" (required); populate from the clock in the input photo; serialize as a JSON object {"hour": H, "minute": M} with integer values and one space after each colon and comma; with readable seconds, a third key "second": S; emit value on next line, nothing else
{"hour": 11, "minute": 57}
